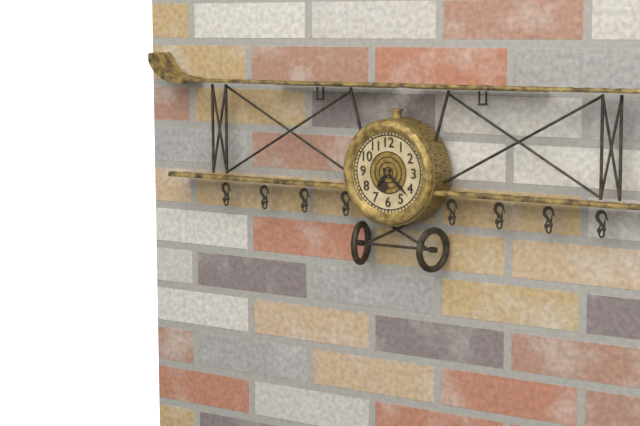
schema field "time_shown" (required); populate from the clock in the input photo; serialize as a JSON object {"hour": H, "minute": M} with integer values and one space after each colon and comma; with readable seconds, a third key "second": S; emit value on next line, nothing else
{"hour": 7, "minute": 22}
